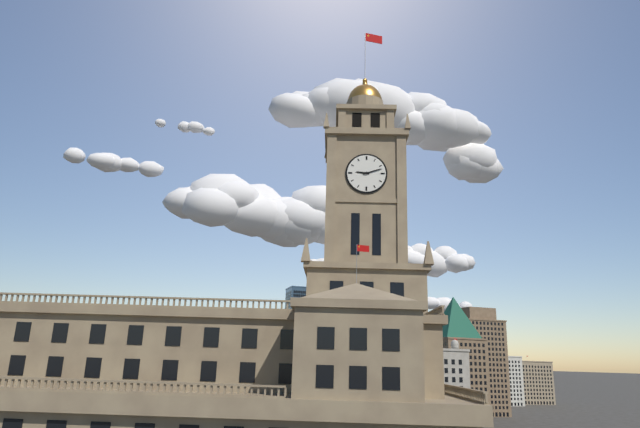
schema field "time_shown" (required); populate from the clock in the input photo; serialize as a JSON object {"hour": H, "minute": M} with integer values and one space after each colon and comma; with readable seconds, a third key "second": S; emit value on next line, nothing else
{"hour": 9, "minute": 12}
